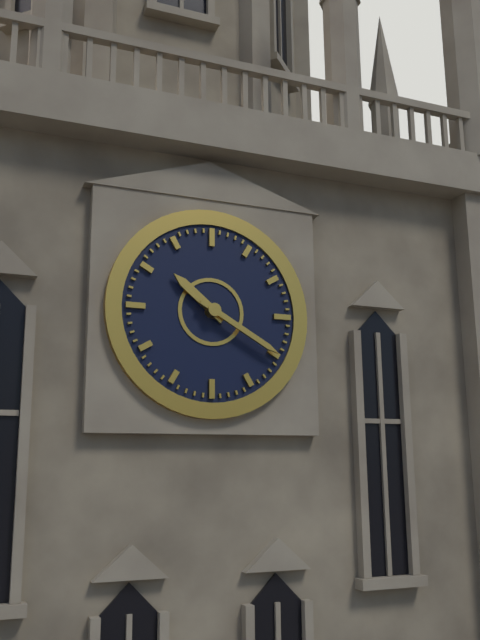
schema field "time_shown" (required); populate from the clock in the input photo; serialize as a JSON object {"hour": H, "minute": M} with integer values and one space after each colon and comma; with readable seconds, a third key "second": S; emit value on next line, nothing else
{"hour": 10, "minute": 20}
